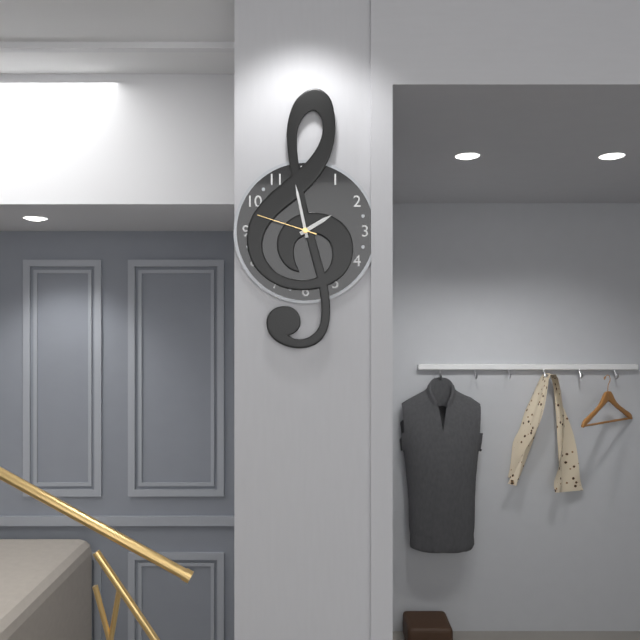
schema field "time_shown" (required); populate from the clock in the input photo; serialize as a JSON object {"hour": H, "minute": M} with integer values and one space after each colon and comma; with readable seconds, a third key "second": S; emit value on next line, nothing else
{"hour": 1, "minute": 58, "second": 48}
